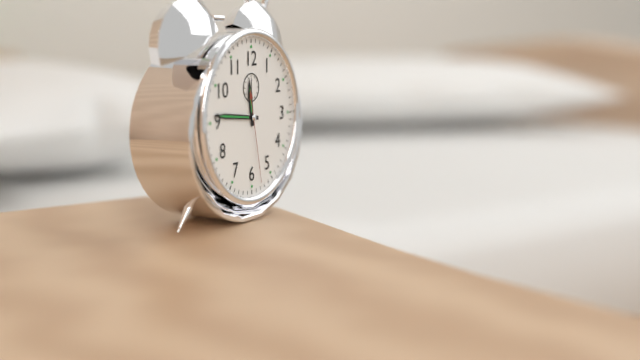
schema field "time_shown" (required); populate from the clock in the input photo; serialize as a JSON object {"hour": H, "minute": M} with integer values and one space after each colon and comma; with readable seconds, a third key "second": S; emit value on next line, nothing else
{"hour": 11, "minute": 46, "second": 28}
